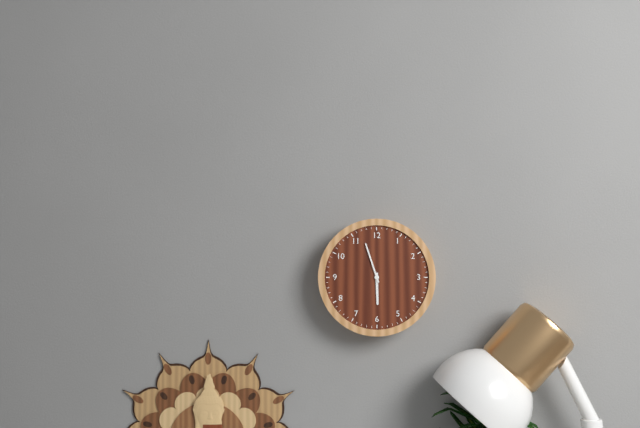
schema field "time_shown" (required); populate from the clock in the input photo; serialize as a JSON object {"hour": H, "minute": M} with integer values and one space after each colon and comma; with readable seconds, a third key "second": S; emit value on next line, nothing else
{"hour": 5, "minute": 57}
